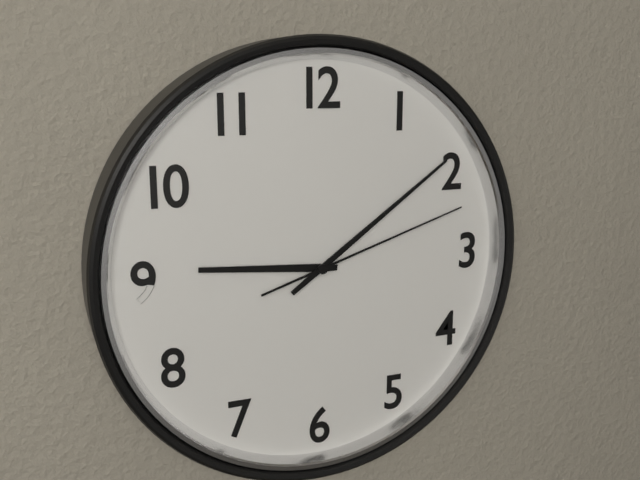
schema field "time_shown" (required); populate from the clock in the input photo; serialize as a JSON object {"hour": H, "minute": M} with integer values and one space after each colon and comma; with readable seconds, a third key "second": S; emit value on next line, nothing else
{"hour": 9, "minute": 9, "second": 12}
